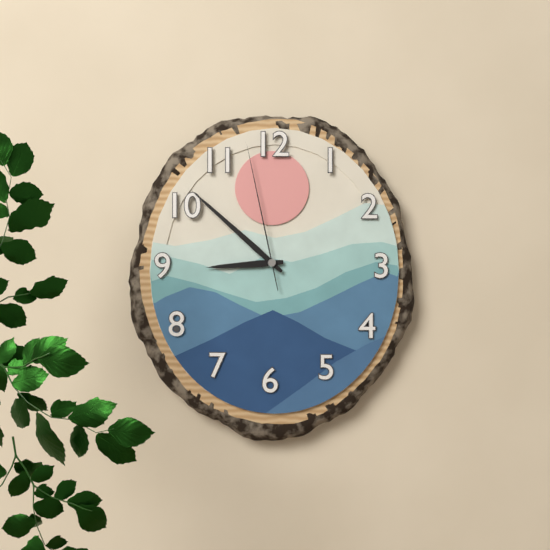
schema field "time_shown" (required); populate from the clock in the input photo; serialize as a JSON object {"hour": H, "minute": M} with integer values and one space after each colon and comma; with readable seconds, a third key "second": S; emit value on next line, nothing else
{"hour": 8, "minute": 52, "second": 58}
